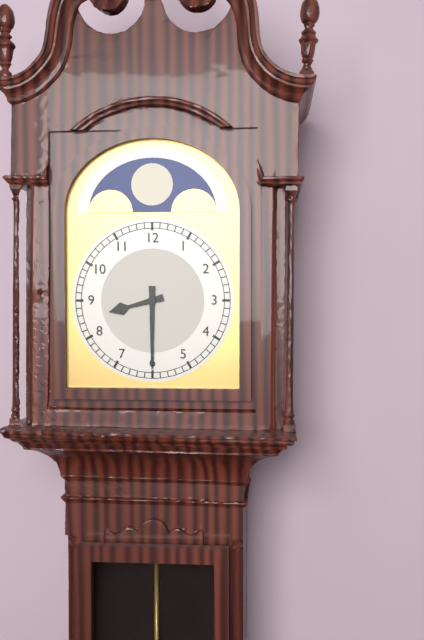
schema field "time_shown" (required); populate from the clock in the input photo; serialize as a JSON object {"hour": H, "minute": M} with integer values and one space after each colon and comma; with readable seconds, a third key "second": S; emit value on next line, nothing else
{"hour": 8, "minute": 30}
